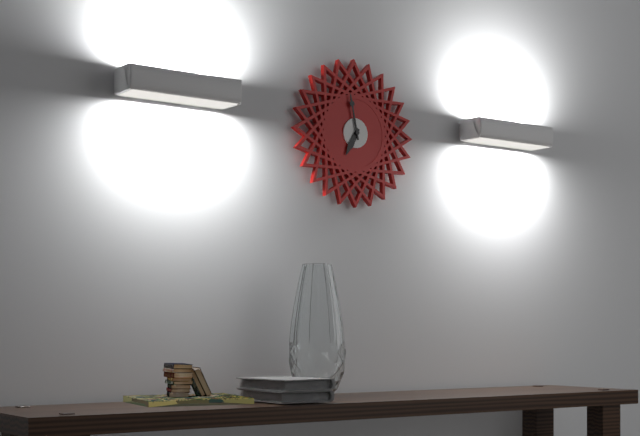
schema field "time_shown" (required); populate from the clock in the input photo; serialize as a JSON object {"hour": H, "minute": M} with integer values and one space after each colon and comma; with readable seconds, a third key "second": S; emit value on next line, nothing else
{"hour": 6, "minute": 58}
